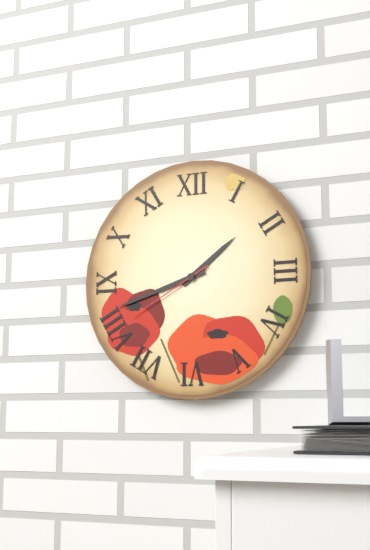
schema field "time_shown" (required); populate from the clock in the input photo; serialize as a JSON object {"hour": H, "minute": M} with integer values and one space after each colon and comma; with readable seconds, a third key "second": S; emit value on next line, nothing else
{"hour": 1, "minute": 42, "second": 40}
